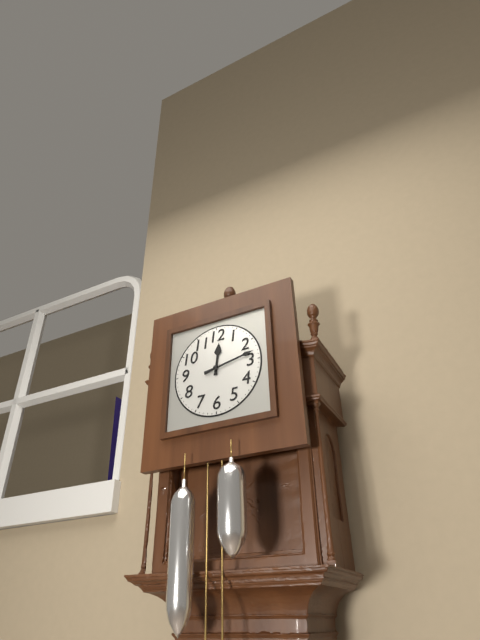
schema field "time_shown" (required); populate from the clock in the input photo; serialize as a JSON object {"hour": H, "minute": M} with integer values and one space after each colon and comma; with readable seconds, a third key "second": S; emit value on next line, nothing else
{"hour": 12, "minute": 13}
